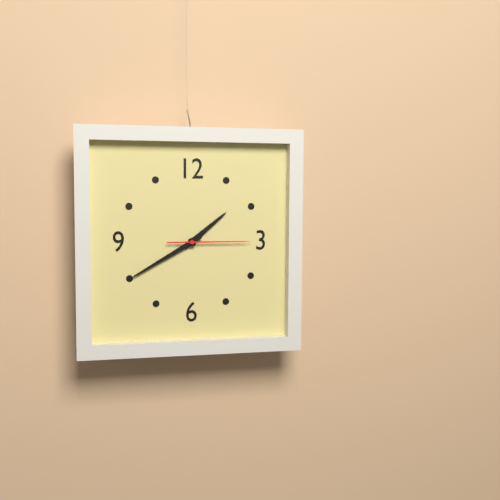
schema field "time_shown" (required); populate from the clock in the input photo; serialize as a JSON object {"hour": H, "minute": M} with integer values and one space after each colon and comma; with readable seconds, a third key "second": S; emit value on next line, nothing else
{"hour": 1, "minute": 40, "second": 15}
